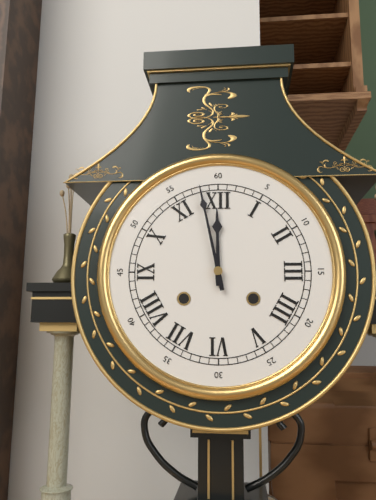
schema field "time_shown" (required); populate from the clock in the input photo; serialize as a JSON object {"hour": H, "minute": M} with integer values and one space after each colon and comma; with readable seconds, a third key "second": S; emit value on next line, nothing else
{"hour": 11, "minute": 58}
